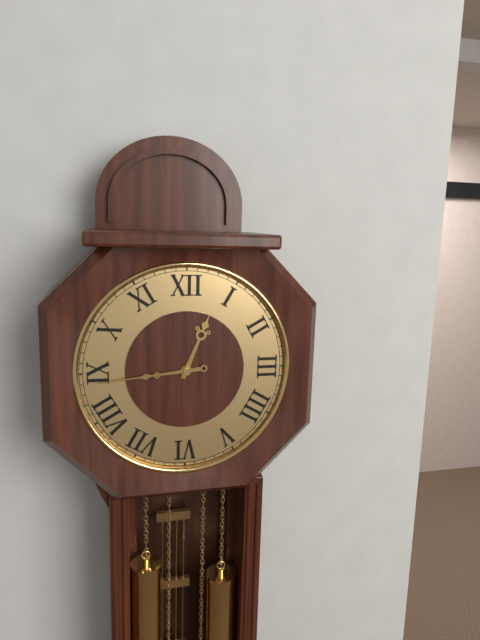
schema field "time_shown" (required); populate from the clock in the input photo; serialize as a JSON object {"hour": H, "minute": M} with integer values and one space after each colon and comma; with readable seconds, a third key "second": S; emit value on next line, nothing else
{"hour": 12, "minute": 44}
